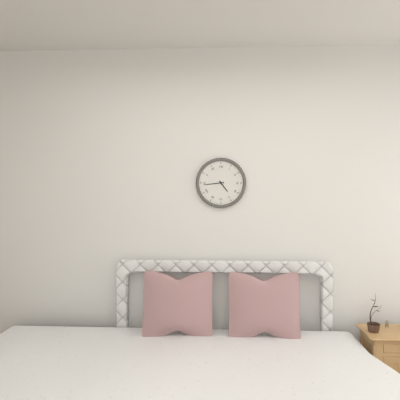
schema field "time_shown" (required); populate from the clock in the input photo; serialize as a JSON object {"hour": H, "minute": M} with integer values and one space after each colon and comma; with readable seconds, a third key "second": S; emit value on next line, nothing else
{"hour": 4, "minute": 44}
